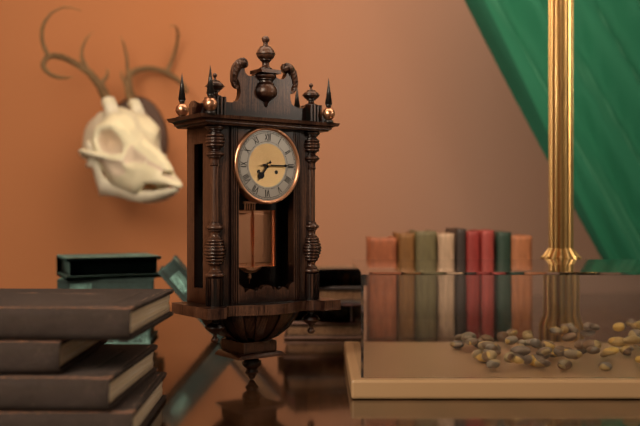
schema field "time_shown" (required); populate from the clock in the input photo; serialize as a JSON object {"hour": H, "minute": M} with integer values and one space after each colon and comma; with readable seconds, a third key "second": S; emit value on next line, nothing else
{"hour": 7, "minute": 15}
